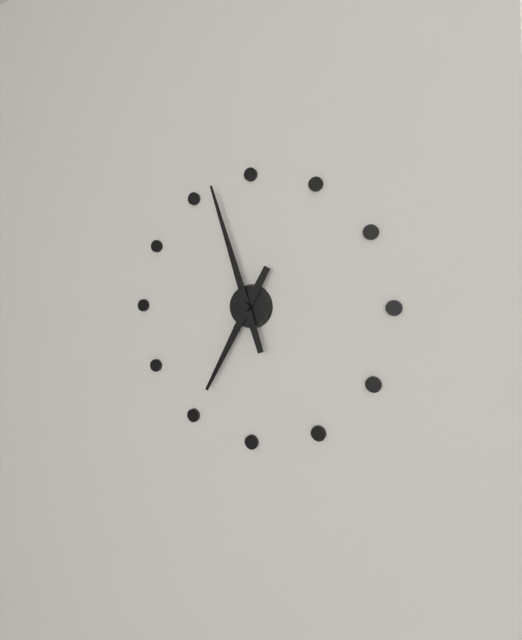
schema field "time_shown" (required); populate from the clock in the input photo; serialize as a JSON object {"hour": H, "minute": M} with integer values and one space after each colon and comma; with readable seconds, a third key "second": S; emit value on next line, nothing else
{"hour": 6, "minute": 57}
